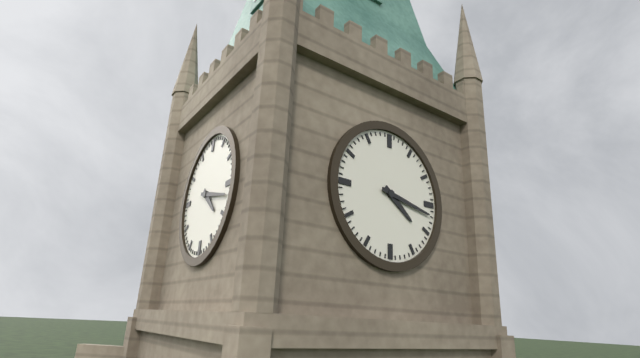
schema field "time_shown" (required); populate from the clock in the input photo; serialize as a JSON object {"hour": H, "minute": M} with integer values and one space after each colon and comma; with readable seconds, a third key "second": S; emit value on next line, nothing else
{"hour": 4, "minute": 17}
